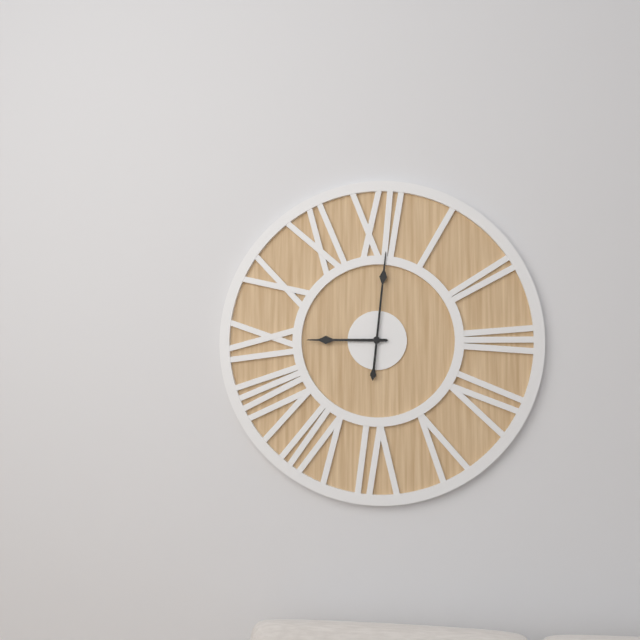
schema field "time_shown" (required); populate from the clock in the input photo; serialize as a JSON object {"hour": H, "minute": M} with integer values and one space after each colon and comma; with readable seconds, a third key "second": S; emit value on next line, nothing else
{"hour": 9, "minute": 1}
